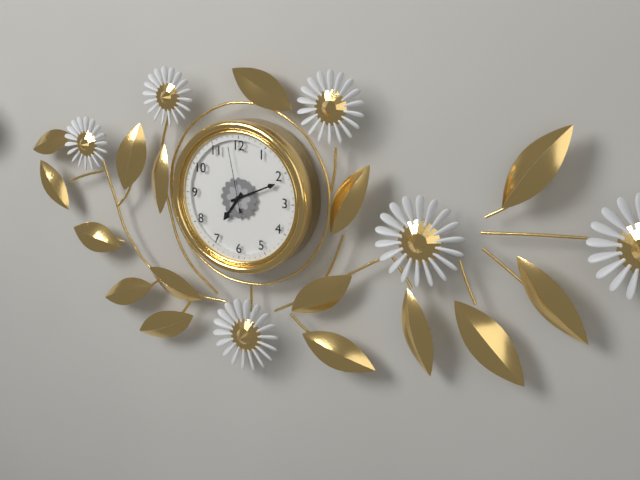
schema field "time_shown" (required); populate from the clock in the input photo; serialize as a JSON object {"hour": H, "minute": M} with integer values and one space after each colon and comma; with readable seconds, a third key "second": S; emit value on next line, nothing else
{"hour": 7, "minute": 11, "second": 58}
